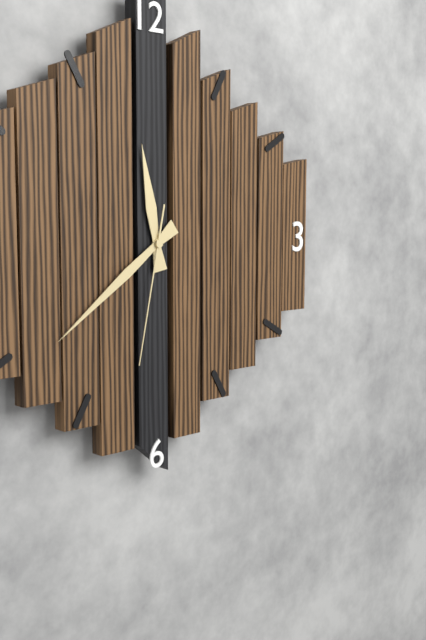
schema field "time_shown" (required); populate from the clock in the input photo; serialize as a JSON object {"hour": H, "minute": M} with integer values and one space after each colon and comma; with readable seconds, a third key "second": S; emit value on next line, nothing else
{"hour": 11, "minute": 39, "second": 32}
